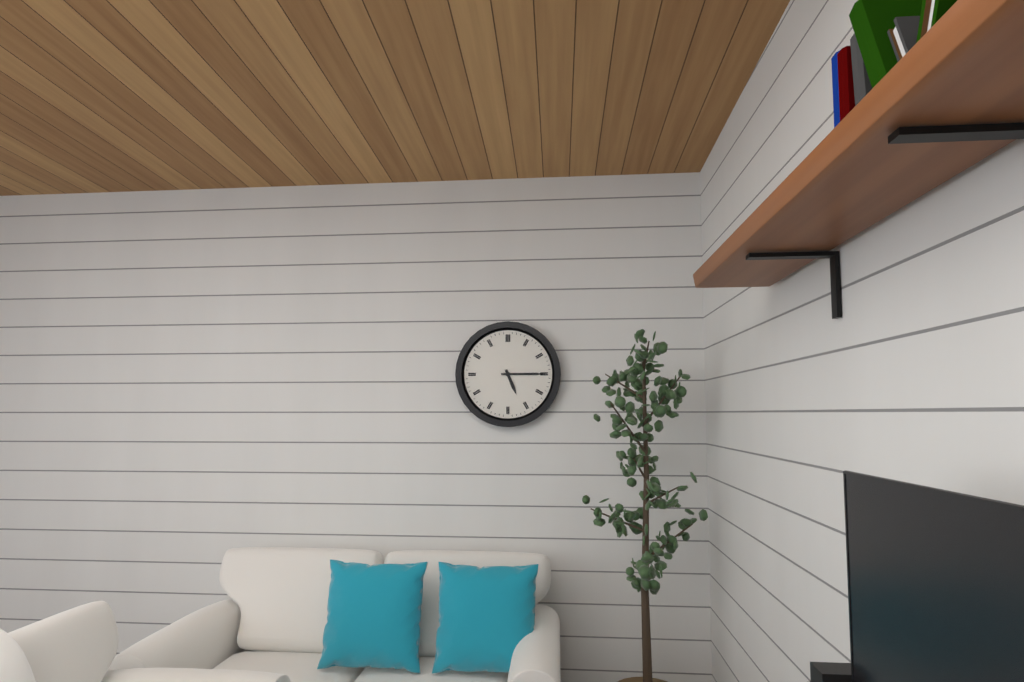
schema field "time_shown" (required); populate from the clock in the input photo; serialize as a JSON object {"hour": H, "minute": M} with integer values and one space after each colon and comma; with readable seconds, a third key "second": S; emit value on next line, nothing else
{"hour": 5, "minute": 15}
